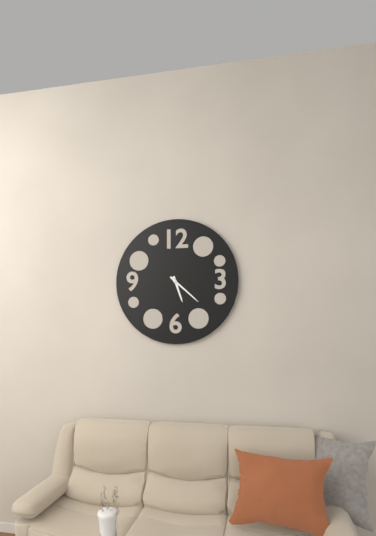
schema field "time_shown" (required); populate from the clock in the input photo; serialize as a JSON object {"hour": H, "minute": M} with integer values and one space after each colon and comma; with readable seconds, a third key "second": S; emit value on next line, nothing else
{"hour": 5, "minute": 22}
